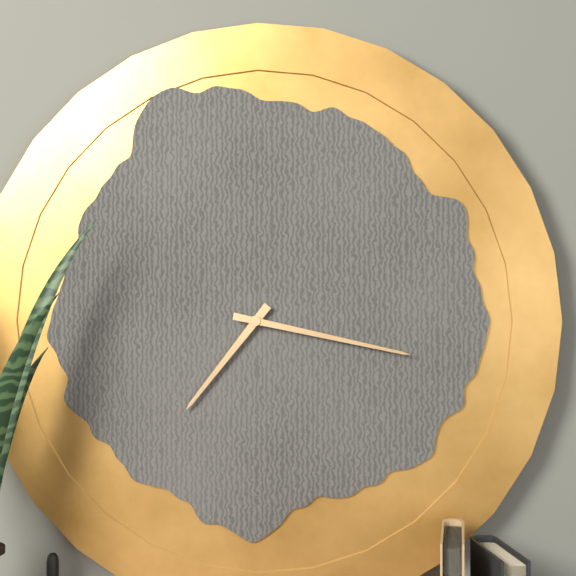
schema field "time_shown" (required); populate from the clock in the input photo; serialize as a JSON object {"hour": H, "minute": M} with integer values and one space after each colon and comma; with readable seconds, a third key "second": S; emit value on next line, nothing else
{"hour": 7, "minute": 17}
